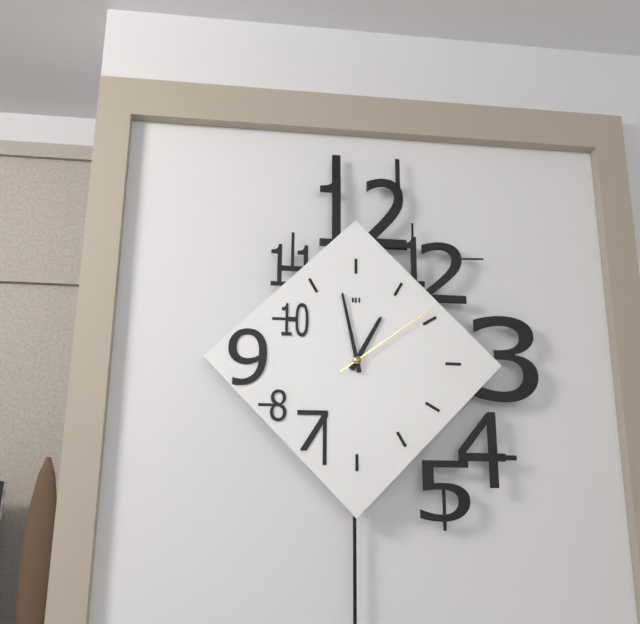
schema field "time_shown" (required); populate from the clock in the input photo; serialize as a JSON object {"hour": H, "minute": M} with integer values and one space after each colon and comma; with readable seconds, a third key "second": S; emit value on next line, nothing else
{"hour": 12, "minute": 58, "second": 9}
